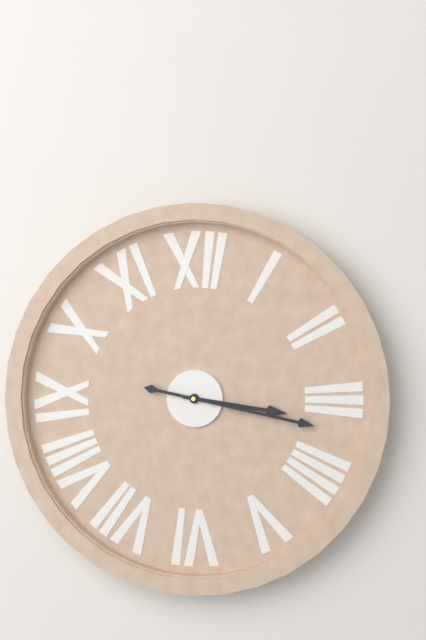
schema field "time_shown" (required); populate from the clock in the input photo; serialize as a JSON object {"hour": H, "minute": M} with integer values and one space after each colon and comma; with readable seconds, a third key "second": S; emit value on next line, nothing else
{"hour": 3, "minute": 17}
